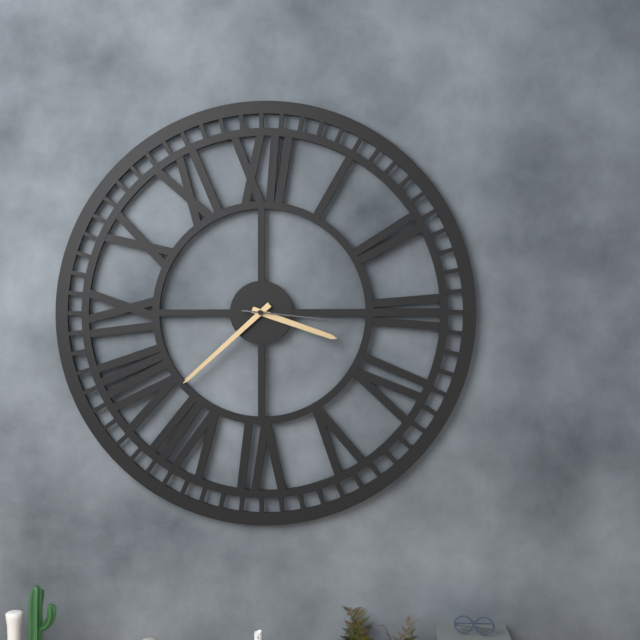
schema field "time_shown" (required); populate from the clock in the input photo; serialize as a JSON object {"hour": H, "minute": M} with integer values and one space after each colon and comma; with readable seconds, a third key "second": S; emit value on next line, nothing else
{"hour": 3, "minute": 38, "second": 16}
